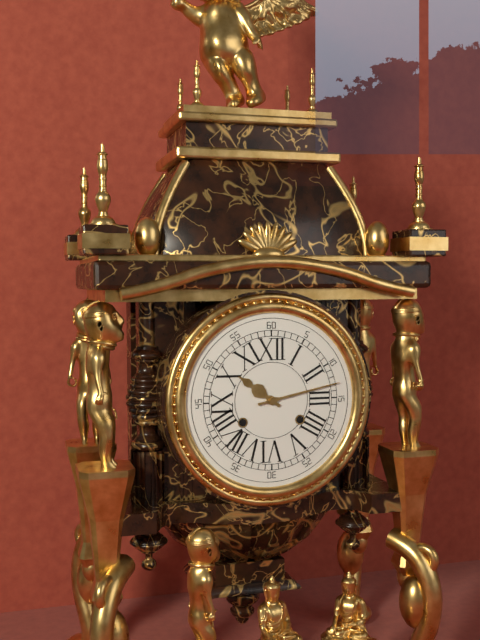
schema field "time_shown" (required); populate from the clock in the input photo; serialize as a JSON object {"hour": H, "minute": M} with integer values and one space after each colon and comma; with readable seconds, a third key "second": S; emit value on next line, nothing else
{"hour": 10, "minute": 13}
